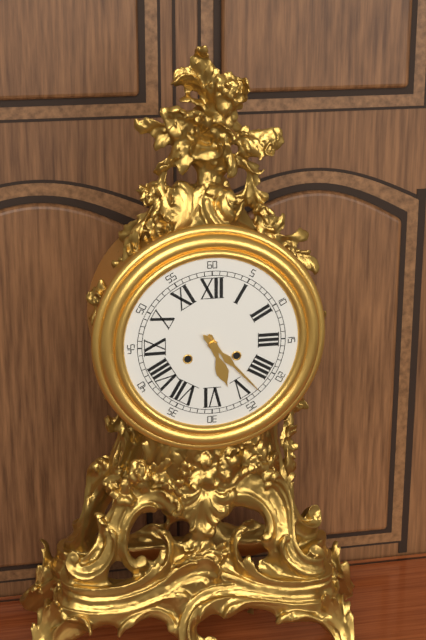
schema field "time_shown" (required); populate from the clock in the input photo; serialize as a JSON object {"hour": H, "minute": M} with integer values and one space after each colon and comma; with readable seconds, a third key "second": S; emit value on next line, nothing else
{"hour": 5, "minute": 23}
